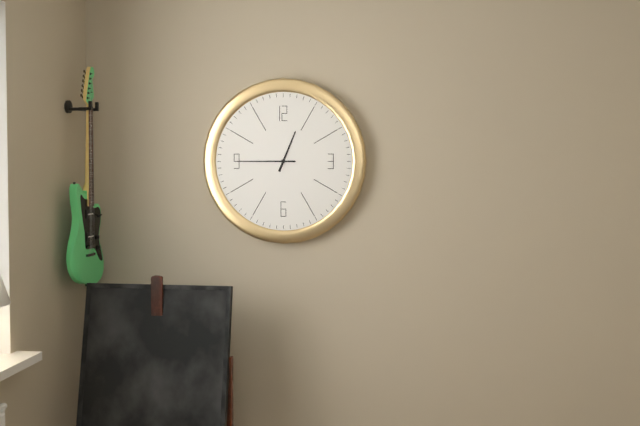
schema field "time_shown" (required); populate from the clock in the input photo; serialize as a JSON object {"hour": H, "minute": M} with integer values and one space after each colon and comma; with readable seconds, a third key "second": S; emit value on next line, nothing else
{"hour": 12, "minute": 45}
